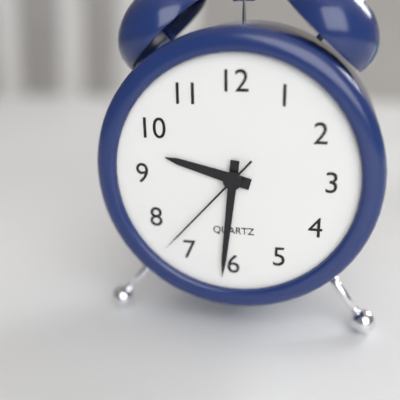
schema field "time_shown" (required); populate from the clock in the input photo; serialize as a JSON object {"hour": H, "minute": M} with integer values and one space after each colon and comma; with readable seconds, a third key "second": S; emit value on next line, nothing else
{"hour": 9, "minute": 31, "second": 37}
